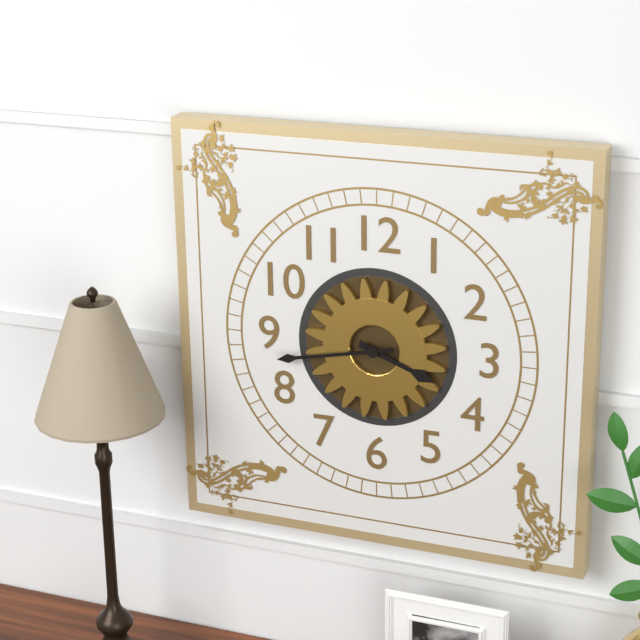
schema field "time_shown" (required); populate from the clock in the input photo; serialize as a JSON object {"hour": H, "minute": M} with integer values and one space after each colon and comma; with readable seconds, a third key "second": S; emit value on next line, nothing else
{"hour": 3, "minute": 43}
